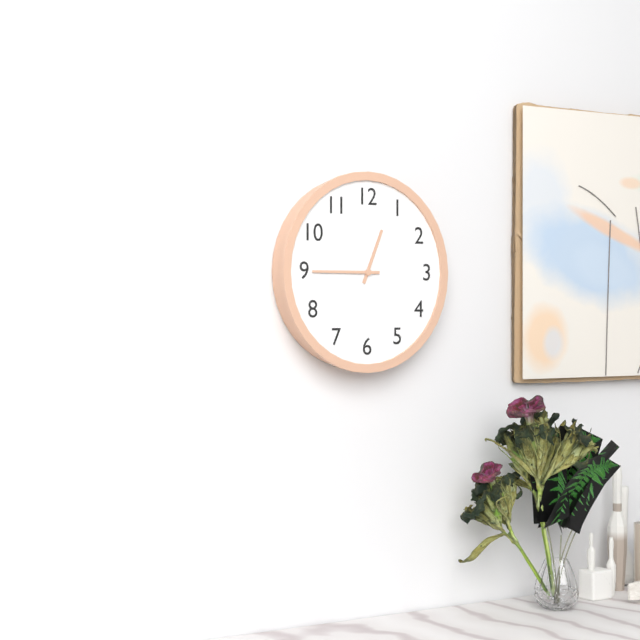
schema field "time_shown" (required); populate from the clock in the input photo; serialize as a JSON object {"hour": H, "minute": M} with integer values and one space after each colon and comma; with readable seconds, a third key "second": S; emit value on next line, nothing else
{"hour": 12, "minute": 45}
